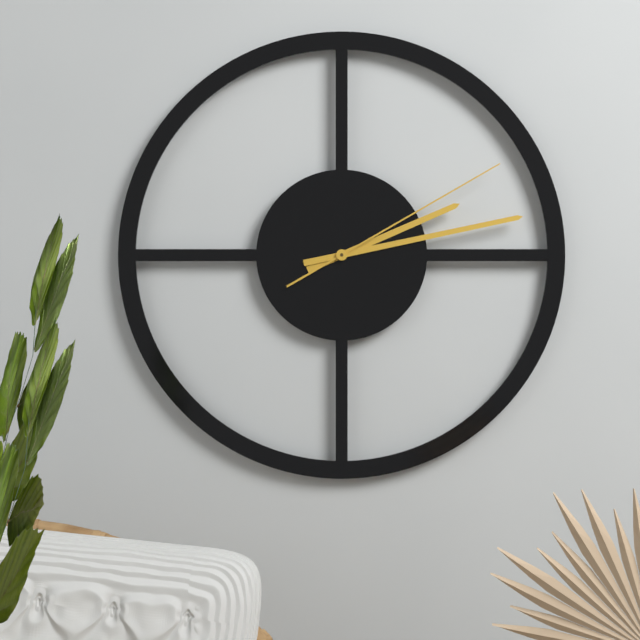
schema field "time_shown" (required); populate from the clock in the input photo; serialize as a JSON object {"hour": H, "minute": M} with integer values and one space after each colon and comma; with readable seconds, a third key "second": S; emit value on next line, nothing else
{"hour": 2, "minute": 13, "second": 10}
